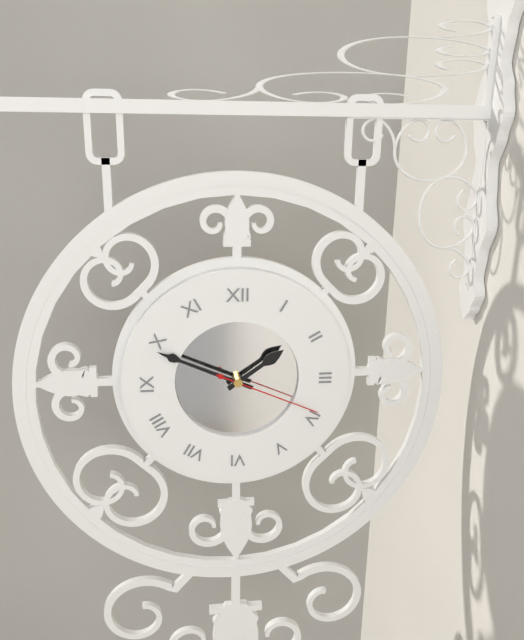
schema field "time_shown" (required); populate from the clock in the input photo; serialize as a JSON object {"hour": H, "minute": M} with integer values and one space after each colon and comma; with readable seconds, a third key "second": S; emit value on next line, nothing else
{"hour": 1, "minute": 49, "second": 19}
